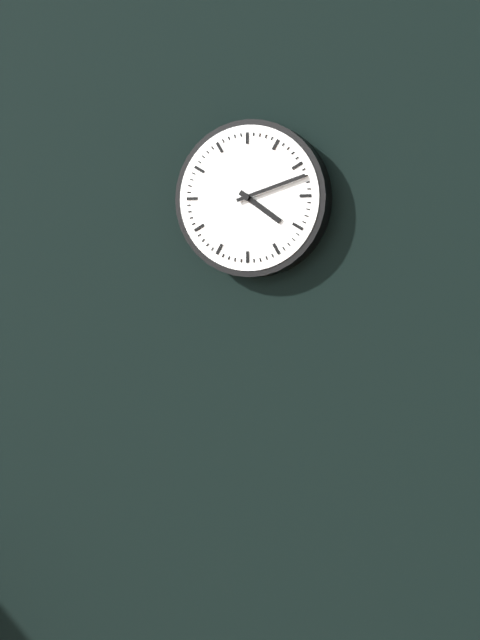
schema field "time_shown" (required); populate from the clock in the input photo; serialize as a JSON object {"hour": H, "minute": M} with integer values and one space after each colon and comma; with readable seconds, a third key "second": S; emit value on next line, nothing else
{"hour": 4, "minute": 12}
